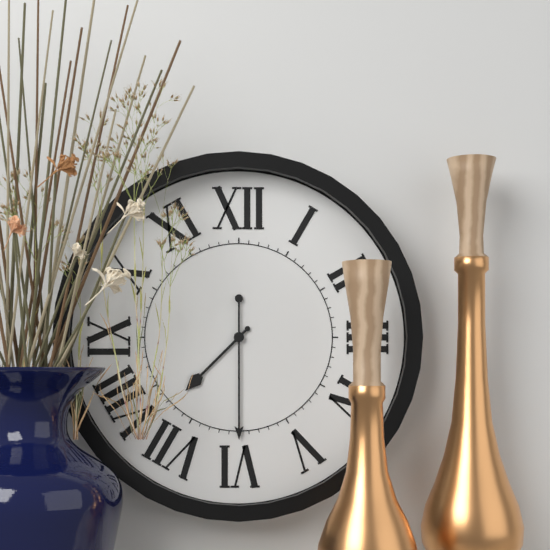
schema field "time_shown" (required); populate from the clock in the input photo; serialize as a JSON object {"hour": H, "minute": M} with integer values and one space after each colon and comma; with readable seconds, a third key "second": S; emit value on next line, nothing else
{"hour": 7, "minute": 30}
